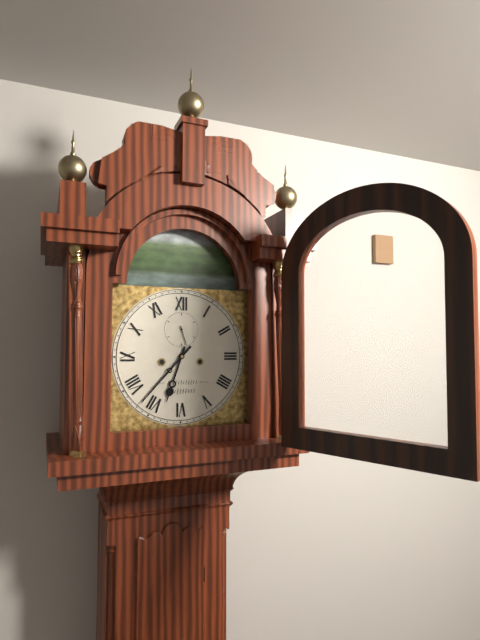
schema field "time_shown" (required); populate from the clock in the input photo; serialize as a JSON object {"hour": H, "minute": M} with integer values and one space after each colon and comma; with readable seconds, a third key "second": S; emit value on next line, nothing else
{"hour": 6, "minute": 37}
